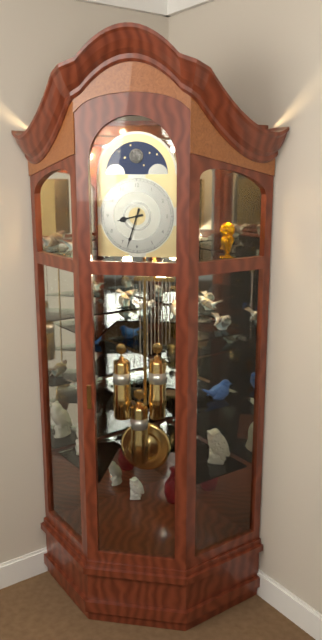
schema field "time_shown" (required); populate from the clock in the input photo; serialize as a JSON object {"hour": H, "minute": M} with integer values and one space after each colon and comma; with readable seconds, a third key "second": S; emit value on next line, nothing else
{"hour": 8, "minute": 33}
